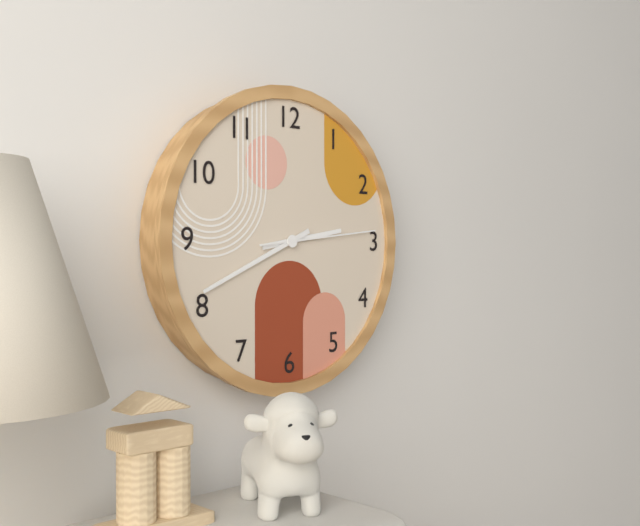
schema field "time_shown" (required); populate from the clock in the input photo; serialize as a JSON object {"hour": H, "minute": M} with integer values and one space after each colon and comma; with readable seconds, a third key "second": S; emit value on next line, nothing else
{"hour": 2, "minute": 41, "second": 14}
